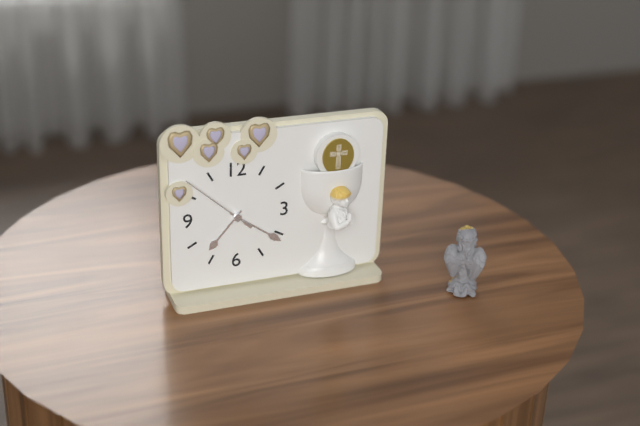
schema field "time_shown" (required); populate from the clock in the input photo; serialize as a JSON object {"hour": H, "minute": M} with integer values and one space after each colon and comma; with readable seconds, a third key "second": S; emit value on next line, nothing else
{"hour": 7, "minute": 21, "second": 52}
